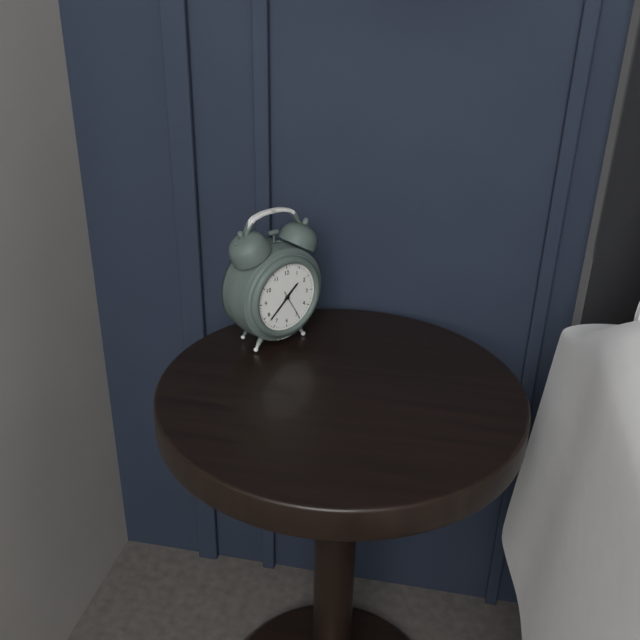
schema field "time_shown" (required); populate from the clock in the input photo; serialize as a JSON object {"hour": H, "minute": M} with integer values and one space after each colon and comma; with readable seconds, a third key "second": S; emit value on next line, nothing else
{"hour": 1, "minute": 38}
